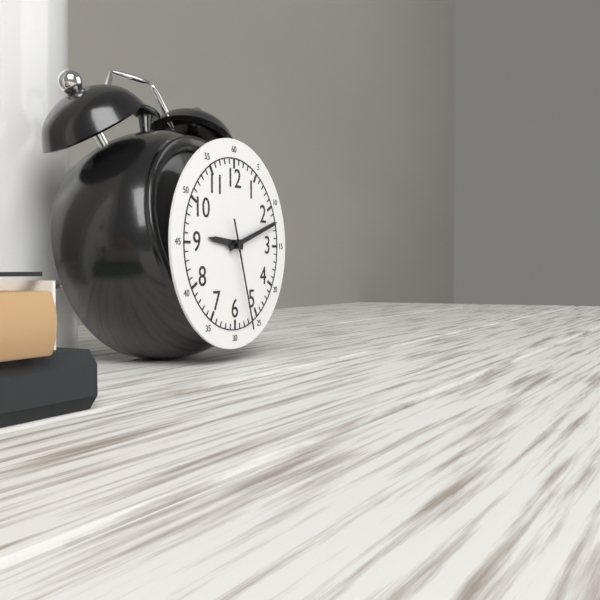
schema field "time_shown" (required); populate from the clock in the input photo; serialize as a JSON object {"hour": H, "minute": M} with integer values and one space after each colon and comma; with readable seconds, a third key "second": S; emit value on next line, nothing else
{"hour": 9, "minute": 12, "second": 27}
